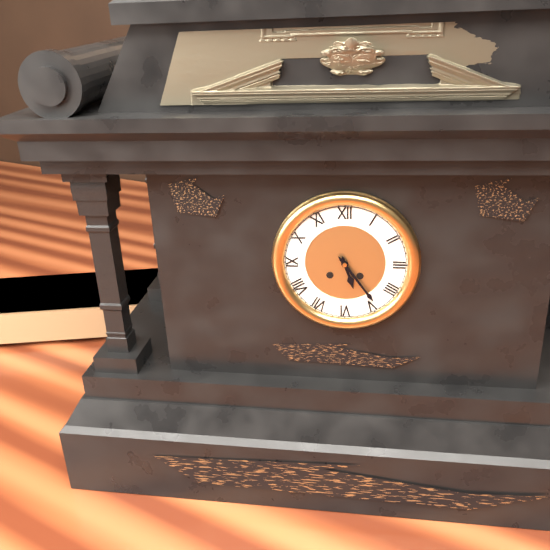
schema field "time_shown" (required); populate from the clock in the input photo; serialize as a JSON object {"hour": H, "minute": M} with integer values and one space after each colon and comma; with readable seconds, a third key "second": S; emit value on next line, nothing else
{"hour": 5, "minute": 24}
